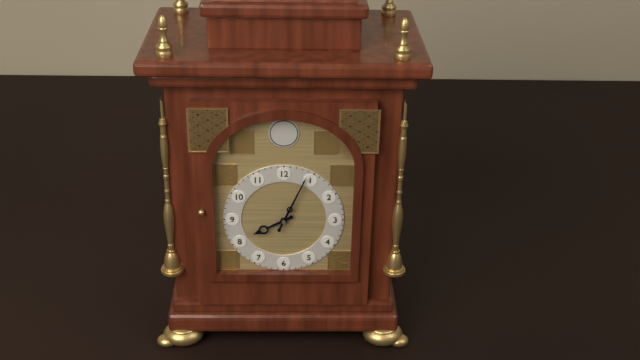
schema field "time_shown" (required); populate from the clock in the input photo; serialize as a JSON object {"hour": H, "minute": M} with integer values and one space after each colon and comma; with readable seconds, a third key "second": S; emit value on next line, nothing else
{"hour": 8, "minute": 4}
